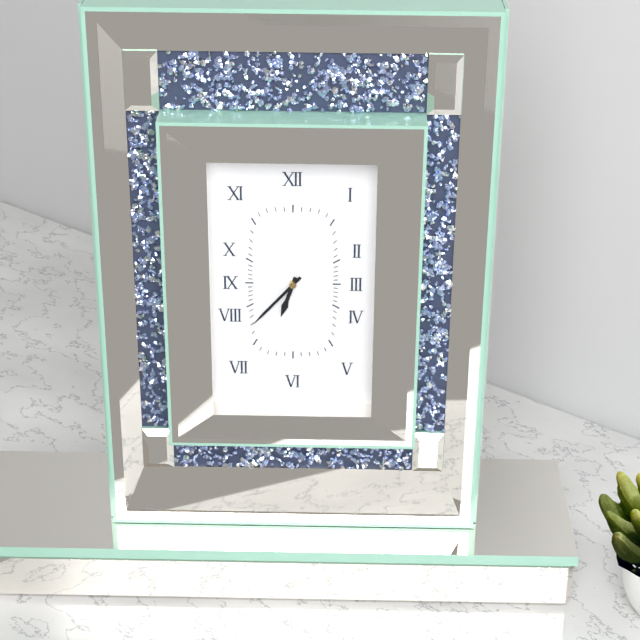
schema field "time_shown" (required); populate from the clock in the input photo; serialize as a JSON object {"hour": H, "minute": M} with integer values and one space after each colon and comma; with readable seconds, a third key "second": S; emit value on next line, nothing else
{"hour": 6, "minute": 37}
